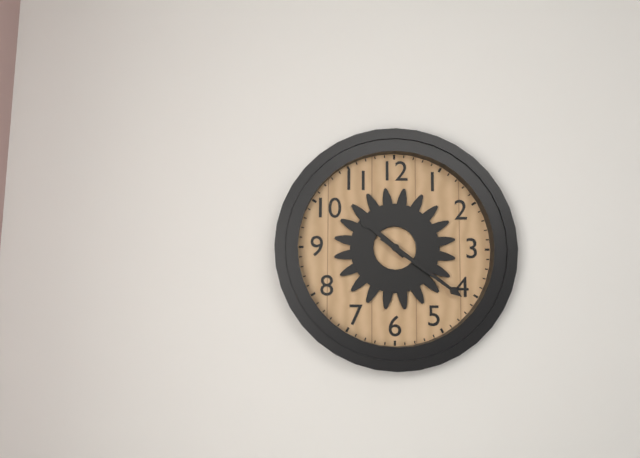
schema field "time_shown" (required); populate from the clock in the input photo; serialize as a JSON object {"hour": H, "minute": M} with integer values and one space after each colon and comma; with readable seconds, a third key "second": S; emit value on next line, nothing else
{"hour": 10, "minute": 21}
